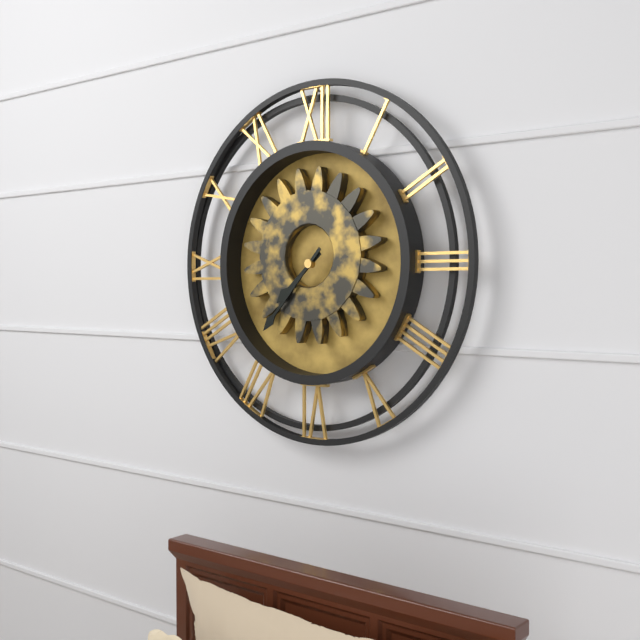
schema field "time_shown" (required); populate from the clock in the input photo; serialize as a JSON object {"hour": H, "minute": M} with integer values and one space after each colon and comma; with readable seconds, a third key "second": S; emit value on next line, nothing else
{"hour": 7, "minute": 37}
